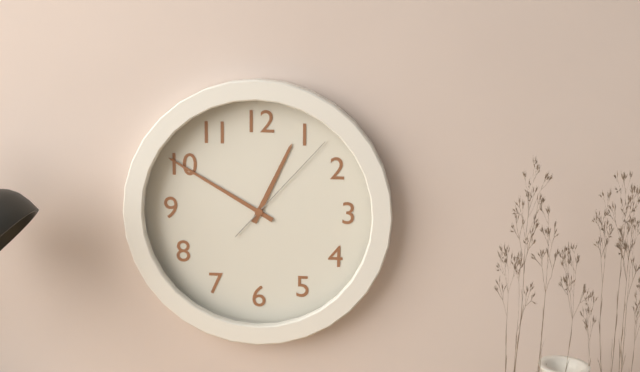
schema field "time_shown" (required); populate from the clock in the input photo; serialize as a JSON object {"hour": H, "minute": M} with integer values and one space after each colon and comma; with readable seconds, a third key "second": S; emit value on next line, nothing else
{"hour": 12, "minute": 50, "second": 7}
